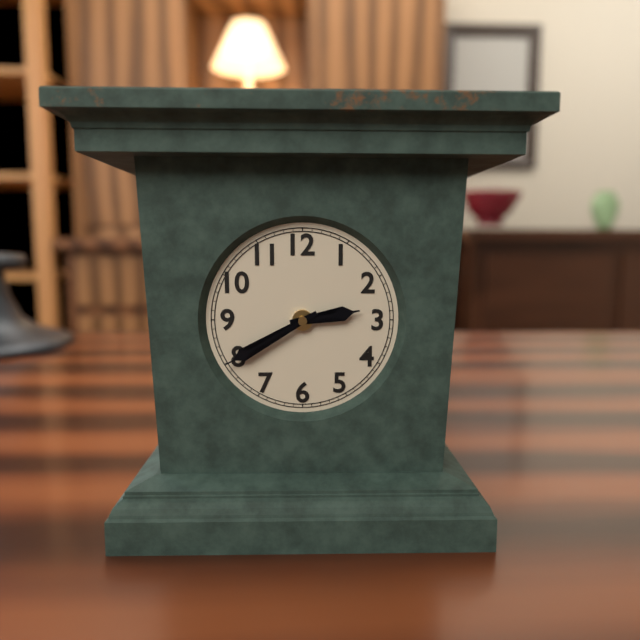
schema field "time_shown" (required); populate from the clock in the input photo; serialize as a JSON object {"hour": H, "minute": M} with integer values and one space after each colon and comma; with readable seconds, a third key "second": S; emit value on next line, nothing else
{"hour": 2, "minute": 40}
